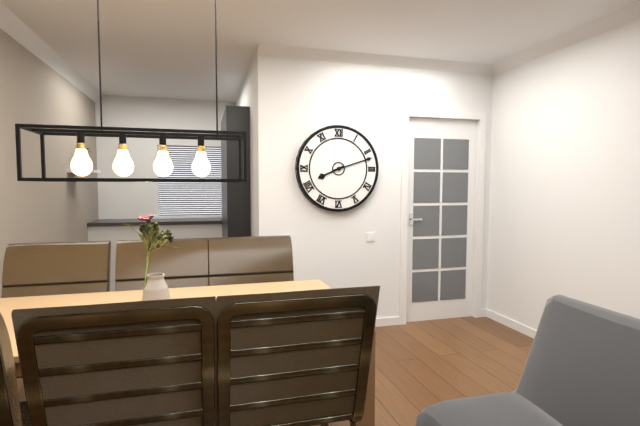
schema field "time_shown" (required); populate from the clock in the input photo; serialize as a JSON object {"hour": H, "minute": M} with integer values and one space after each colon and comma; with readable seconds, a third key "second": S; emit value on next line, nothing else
{"hour": 8, "minute": 12}
